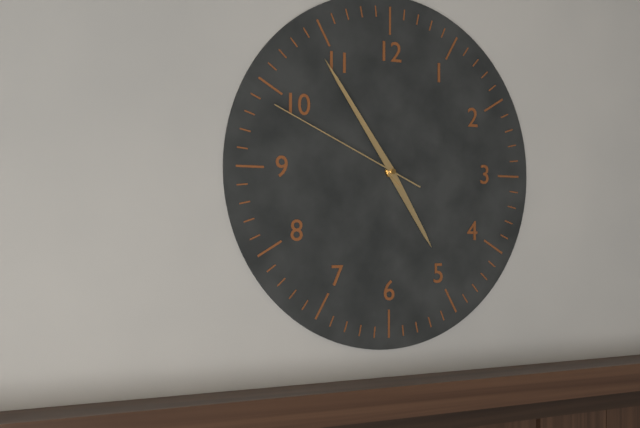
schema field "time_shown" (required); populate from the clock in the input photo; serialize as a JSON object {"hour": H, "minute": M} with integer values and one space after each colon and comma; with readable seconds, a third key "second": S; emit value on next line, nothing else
{"hour": 4, "minute": 54, "second": 49}
